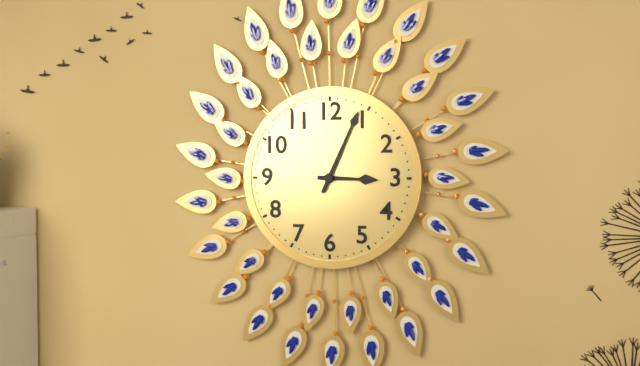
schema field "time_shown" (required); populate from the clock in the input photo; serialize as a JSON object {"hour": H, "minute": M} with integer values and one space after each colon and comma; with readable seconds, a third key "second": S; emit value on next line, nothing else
{"hour": 3, "minute": 4}
